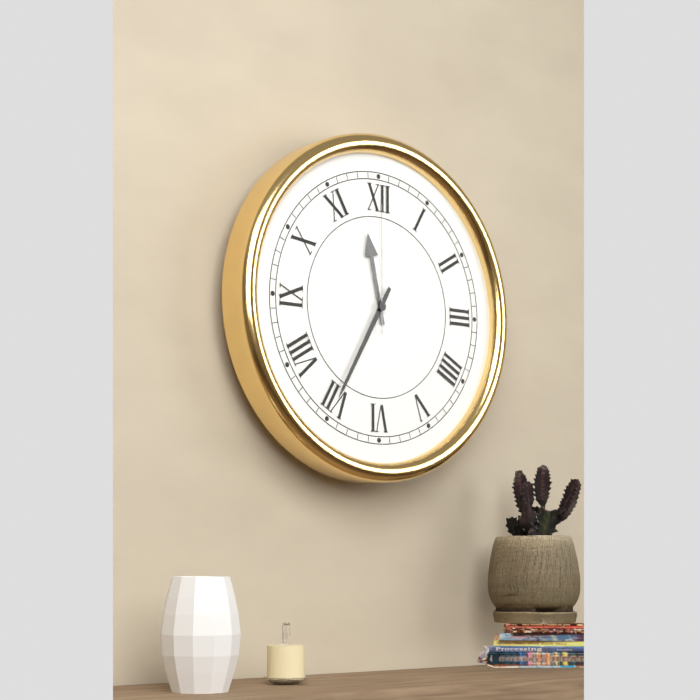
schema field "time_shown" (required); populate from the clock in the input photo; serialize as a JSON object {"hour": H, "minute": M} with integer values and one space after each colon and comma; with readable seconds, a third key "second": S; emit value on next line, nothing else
{"hour": 11, "minute": 35, "second": 0}
